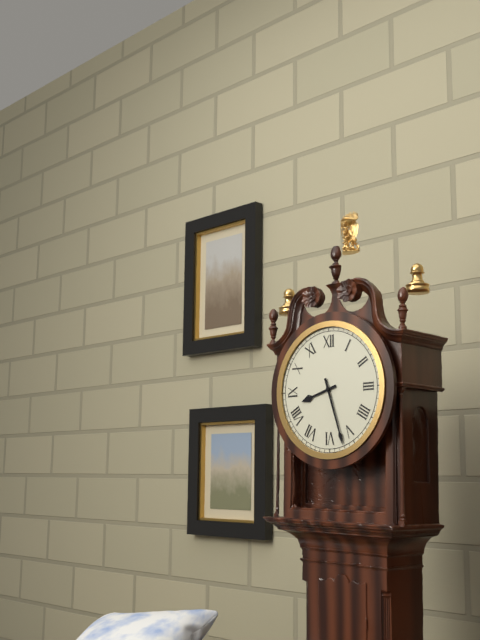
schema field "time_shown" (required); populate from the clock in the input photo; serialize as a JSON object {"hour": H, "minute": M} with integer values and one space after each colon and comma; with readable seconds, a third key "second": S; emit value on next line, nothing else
{"hour": 8, "minute": 27}
